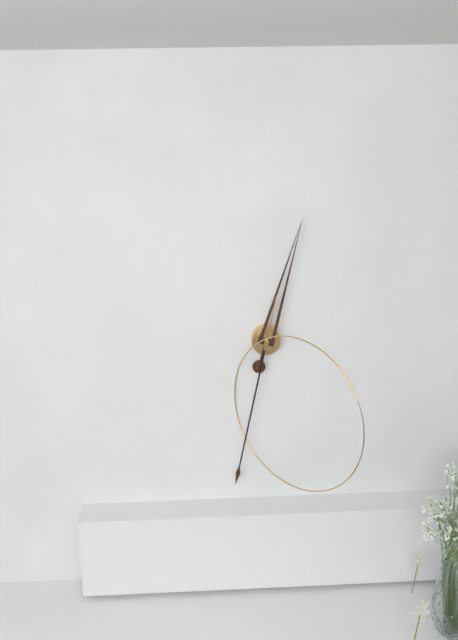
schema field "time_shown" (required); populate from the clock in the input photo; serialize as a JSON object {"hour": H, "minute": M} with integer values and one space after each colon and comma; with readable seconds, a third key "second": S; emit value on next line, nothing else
{"hour": 12, "minute": 32}
